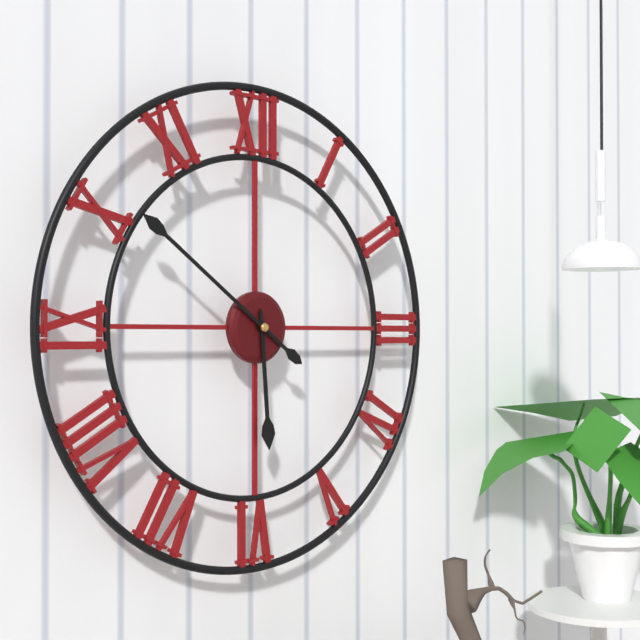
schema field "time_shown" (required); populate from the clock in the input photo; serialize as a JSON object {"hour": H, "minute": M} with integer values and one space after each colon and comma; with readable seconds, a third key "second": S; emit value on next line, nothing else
{"hour": 5, "minute": 51}
